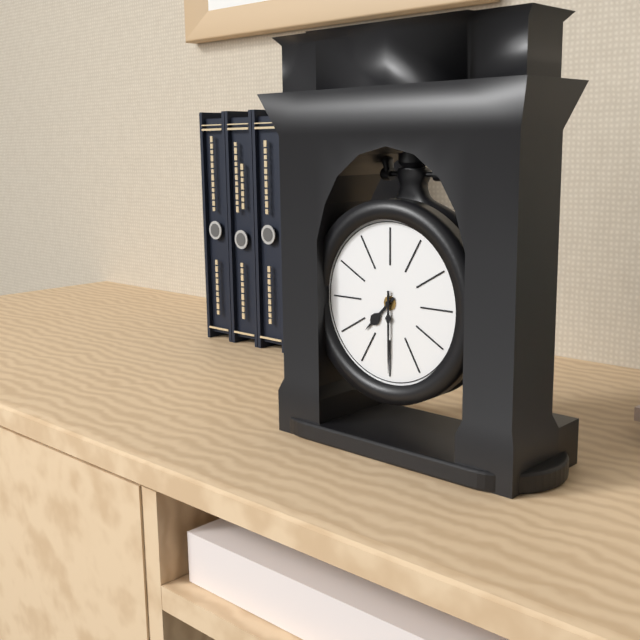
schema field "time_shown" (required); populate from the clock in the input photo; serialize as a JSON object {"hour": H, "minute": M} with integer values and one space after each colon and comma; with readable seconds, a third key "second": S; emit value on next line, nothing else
{"hour": 7, "minute": 30}
